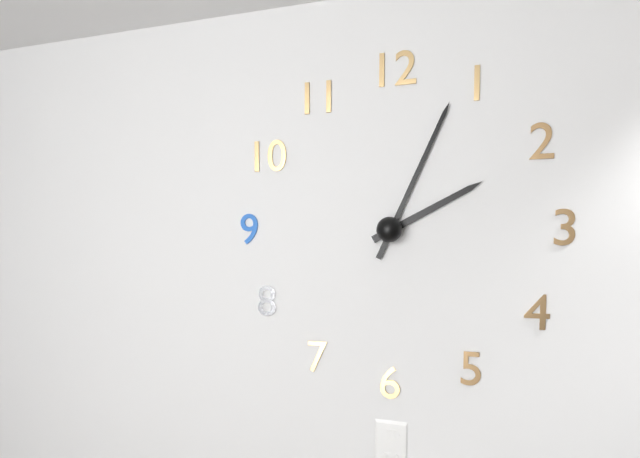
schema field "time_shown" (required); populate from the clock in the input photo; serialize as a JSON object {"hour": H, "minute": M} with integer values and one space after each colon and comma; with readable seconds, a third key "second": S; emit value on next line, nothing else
{"hour": 2, "minute": 4}
